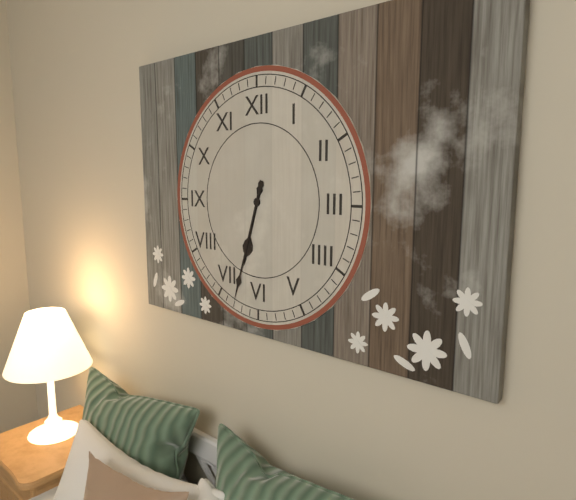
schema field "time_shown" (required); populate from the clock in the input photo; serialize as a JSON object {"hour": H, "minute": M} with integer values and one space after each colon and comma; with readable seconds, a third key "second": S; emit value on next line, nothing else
{"hour": 6, "minute": 33}
